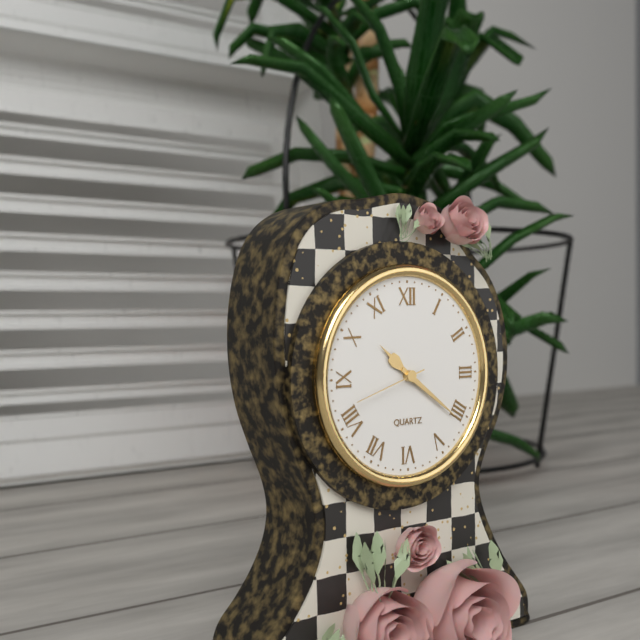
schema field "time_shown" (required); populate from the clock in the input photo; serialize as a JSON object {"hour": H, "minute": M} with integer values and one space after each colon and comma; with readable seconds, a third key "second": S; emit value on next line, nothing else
{"hour": 10, "minute": 21, "second": 42}
